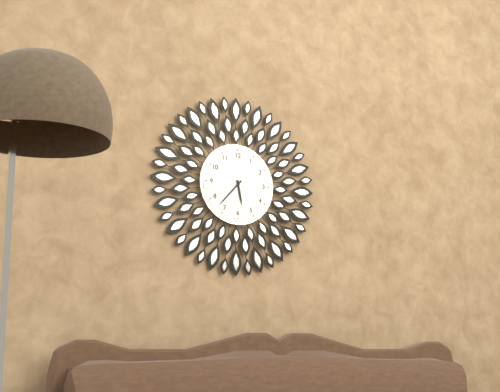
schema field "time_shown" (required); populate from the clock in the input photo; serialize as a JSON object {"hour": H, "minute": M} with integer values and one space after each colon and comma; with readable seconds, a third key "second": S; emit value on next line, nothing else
{"hour": 5, "minute": 37}
